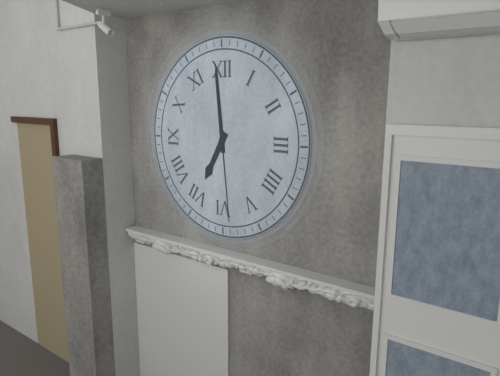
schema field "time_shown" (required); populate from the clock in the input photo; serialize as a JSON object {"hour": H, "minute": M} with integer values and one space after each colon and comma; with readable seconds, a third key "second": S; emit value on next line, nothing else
{"hour": 6, "minute": 59, "second": 29}
